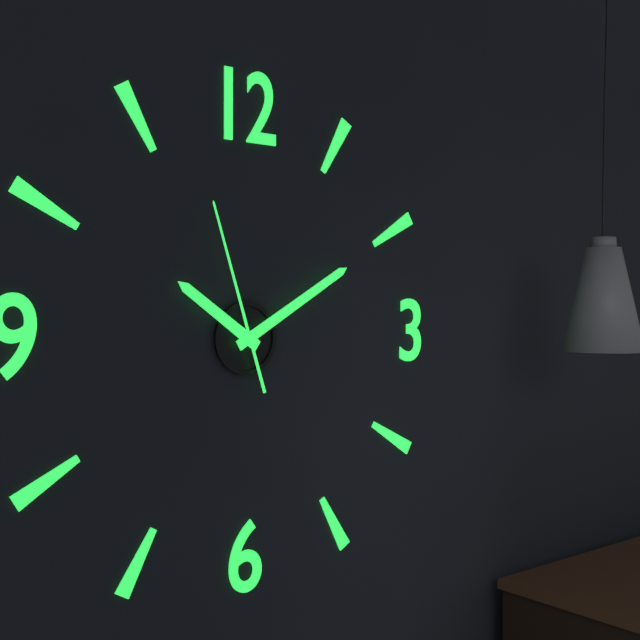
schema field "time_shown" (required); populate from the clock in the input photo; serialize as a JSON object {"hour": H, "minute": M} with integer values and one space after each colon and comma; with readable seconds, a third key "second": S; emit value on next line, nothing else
{"hour": 10, "minute": 10, "second": 57}
